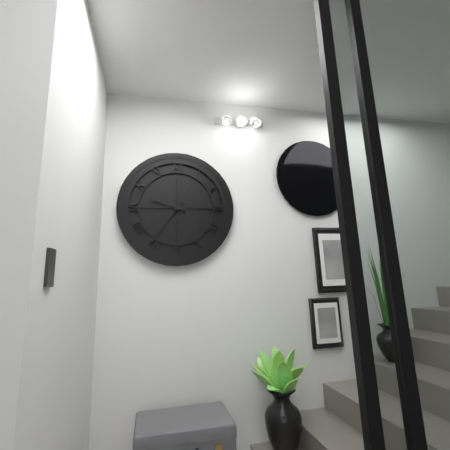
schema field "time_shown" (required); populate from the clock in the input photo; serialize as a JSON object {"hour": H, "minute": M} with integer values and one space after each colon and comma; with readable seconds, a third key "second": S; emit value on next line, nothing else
{"hour": 9, "minute": 36}
